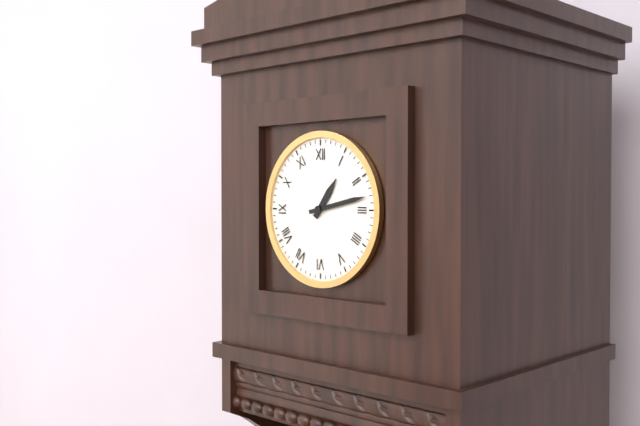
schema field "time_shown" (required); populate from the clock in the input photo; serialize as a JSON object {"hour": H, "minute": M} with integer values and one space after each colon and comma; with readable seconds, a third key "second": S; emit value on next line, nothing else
{"hour": 1, "minute": 13}
